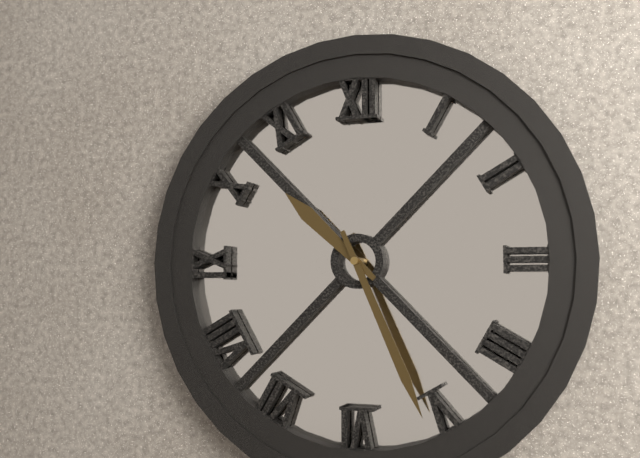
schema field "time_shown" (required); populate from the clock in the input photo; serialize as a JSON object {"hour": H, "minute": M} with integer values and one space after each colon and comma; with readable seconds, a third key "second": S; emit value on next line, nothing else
{"hour": 10, "minute": 26}
